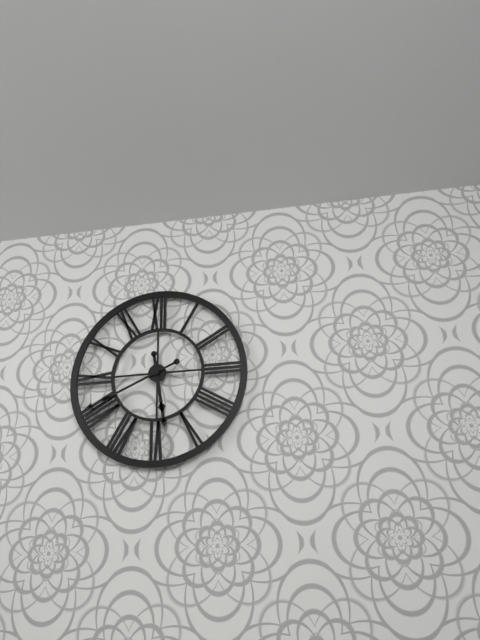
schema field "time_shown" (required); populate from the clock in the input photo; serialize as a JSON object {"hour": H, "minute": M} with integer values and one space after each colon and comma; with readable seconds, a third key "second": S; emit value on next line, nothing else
{"hour": 5, "minute": 41}
